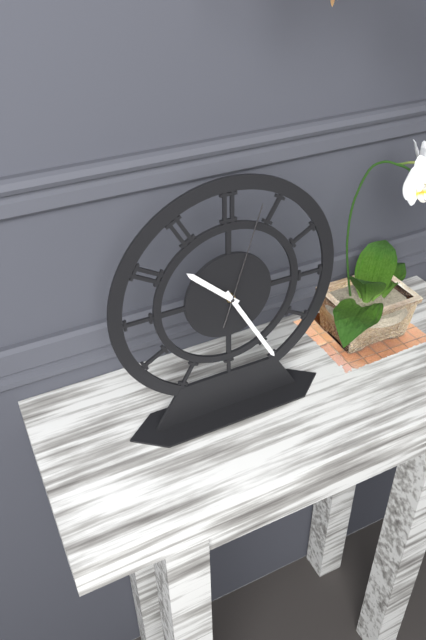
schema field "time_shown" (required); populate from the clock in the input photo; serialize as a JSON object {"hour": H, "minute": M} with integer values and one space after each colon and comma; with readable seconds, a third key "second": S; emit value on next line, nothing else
{"hour": 10, "minute": 25, "second": 3}
